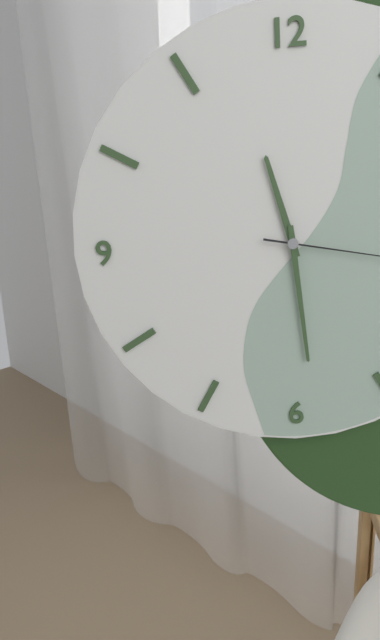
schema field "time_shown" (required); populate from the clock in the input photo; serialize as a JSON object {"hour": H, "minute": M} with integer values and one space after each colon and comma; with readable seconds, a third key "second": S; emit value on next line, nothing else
{"hour": 11, "minute": 29}
